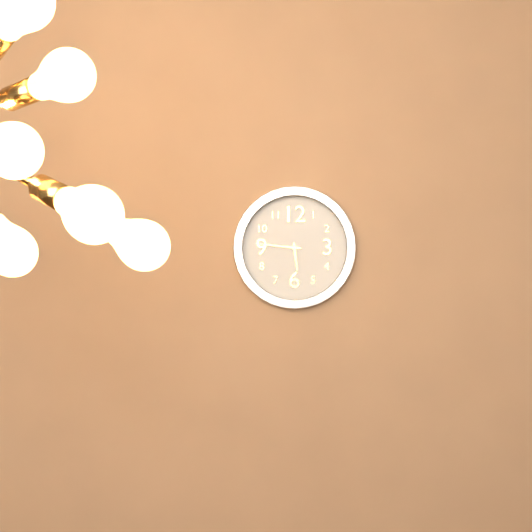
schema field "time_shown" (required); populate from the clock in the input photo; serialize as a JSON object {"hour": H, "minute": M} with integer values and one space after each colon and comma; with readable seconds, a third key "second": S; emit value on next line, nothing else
{"hour": 5, "minute": 46}
